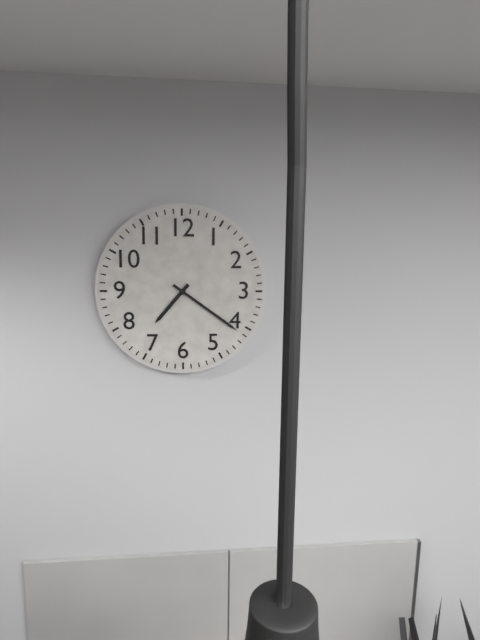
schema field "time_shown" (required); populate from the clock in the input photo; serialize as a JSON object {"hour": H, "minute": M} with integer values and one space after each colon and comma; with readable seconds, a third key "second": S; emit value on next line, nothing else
{"hour": 7, "minute": 21}
